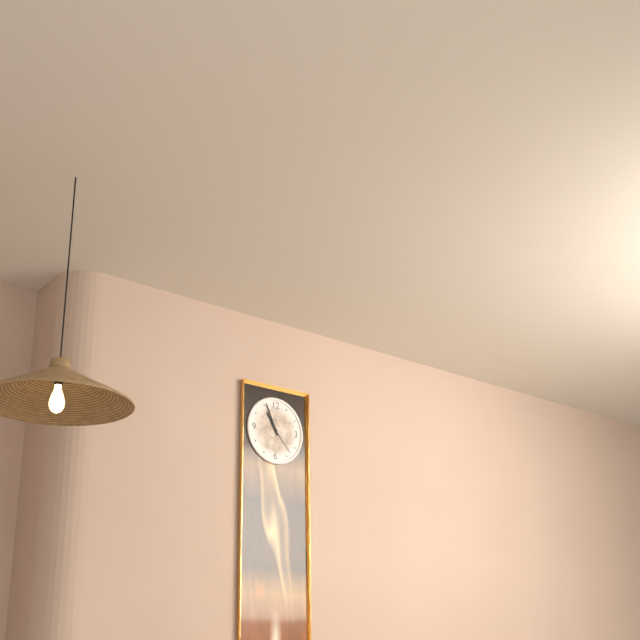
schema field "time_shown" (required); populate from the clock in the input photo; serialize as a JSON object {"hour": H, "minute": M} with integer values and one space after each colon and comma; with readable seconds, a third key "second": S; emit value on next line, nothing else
{"hour": 10, "minute": 56}
